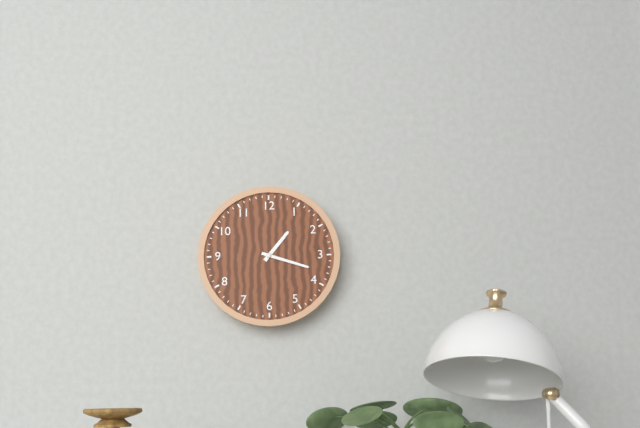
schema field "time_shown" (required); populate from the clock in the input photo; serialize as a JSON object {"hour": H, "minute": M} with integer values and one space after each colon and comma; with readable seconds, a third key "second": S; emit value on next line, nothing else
{"hour": 1, "minute": 18}
